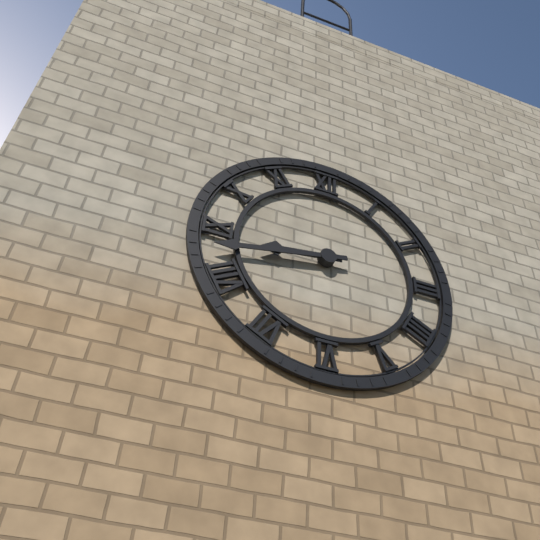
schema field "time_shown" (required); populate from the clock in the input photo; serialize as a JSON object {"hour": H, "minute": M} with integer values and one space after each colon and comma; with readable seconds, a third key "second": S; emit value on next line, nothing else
{"hour": 8, "minute": 43}
